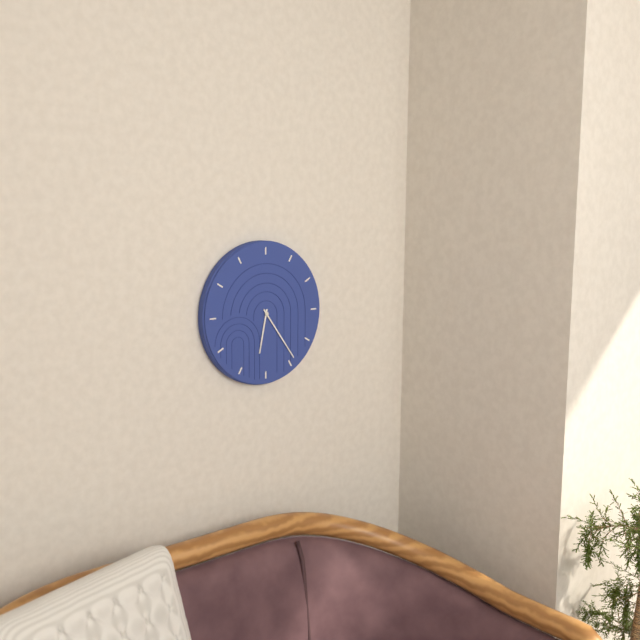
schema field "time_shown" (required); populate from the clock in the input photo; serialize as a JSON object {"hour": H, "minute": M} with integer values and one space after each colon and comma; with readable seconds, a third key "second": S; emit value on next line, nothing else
{"hour": 6, "minute": 24}
